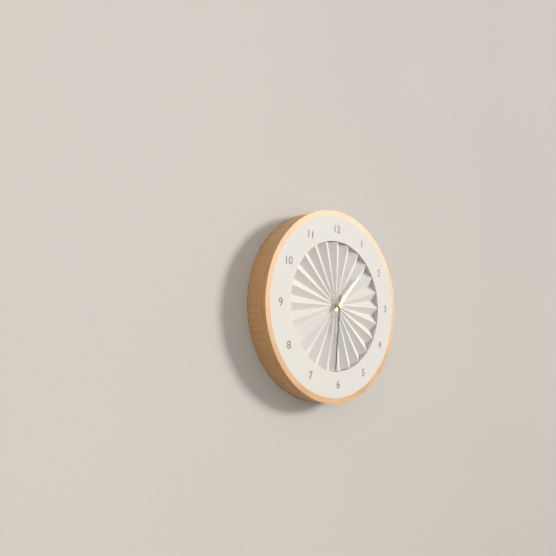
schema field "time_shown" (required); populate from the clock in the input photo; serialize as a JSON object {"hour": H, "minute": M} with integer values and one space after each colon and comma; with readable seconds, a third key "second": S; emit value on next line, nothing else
{"hour": 1, "minute": 31}
